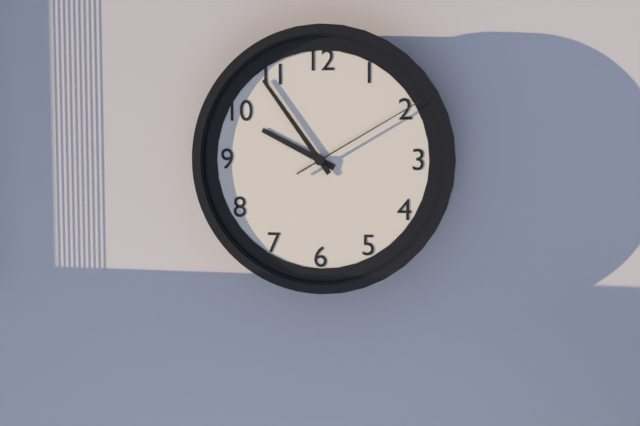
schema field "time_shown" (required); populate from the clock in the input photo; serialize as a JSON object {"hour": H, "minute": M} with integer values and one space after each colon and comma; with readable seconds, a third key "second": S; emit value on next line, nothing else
{"hour": 9, "minute": 54, "second": 10}
